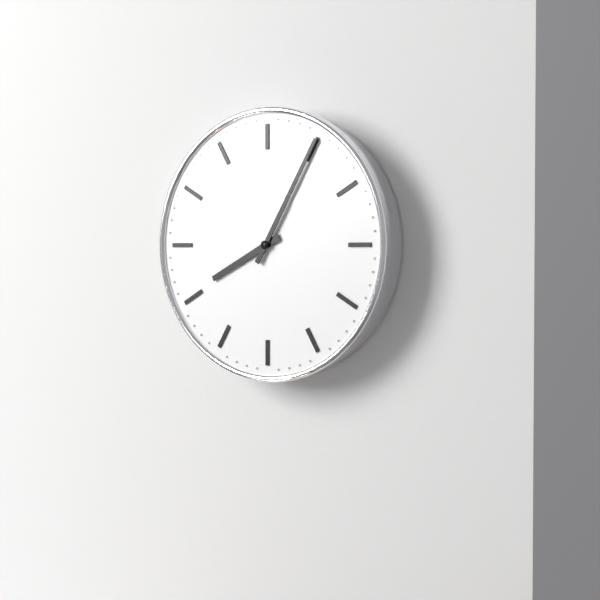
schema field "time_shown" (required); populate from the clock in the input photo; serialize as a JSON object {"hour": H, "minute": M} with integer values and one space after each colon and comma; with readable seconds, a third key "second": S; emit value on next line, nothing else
{"hour": 8, "minute": 5}
